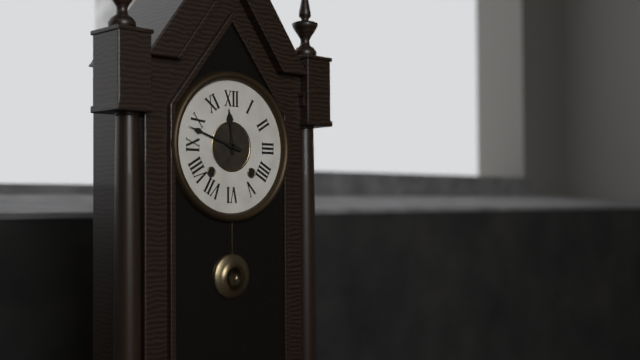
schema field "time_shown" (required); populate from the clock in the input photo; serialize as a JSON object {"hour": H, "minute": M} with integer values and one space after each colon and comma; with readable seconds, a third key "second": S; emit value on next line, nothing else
{"hour": 11, "minute": 48}
